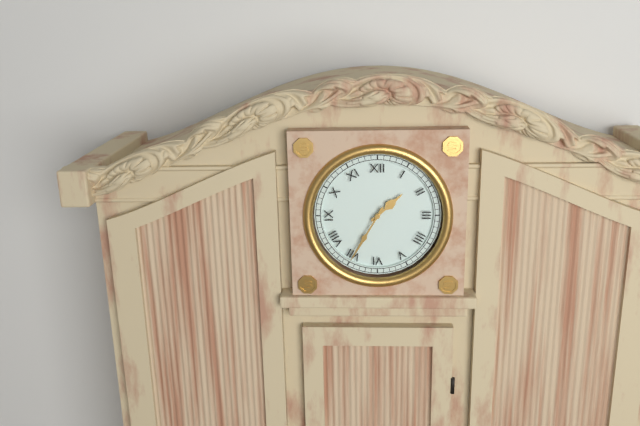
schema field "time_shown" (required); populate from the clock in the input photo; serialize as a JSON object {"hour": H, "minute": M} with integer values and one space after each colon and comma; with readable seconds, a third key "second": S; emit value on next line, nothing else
{"hour": 1, "minute": 35}
